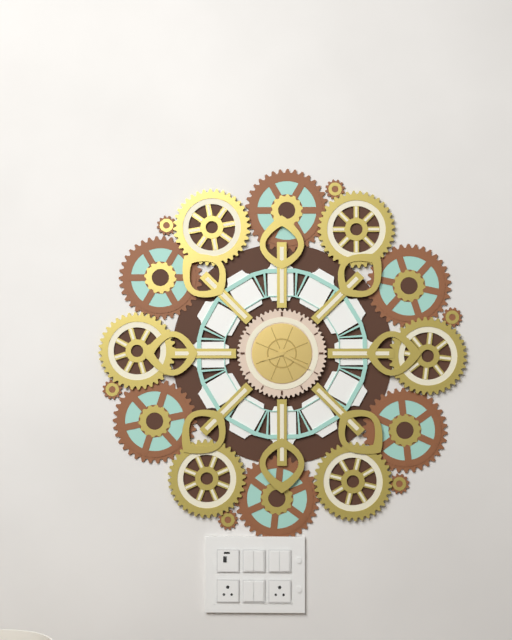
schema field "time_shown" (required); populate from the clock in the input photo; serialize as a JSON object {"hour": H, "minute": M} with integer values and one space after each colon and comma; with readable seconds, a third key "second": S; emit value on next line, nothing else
{"hour": 8, "minute": 20}
